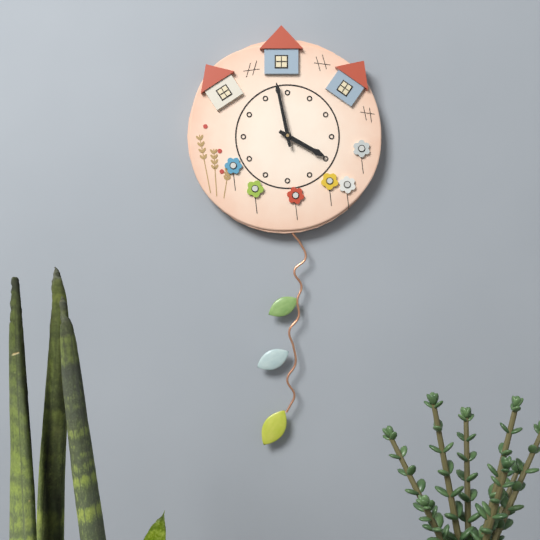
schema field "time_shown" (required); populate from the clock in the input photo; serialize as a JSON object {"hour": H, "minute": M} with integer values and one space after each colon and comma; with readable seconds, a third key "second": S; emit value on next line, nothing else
{"hour": 3, "minute": 58}
